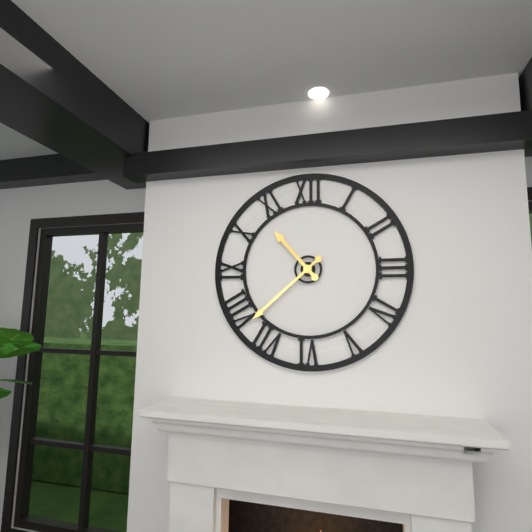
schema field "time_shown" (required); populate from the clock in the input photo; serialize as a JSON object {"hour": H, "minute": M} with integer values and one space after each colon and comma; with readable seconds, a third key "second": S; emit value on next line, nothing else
{"hour": 10, "minute": 38}
